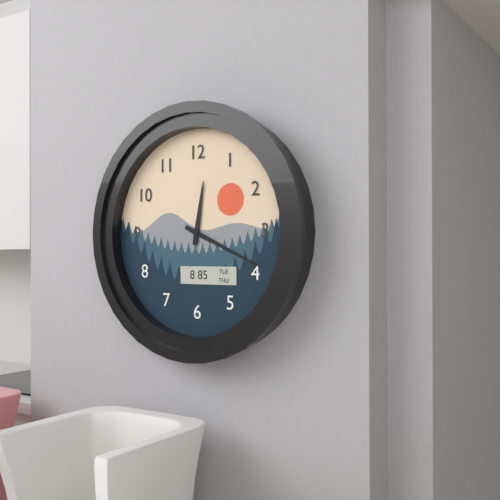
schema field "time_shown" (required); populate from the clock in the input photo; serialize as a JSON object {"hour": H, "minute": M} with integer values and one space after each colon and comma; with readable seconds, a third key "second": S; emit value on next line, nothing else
{"hour": 12, "minute": 19}
